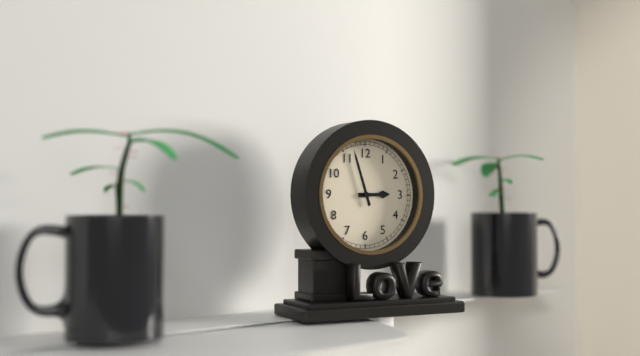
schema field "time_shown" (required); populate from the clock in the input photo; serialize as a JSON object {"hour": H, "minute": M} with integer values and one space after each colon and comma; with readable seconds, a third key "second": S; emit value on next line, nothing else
{"hour": 2, "minute": 57}
